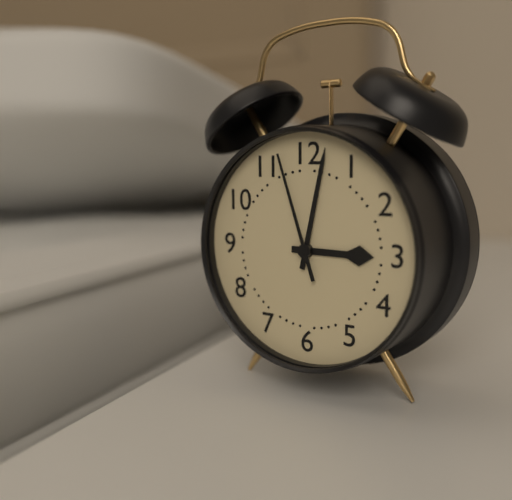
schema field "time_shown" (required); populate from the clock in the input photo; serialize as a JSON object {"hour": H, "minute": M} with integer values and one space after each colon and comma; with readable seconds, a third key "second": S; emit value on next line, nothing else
{"hour": 3, "minute": 2, "second": 57}
